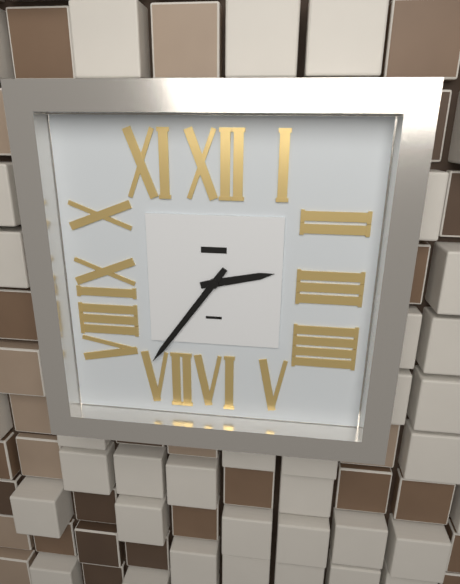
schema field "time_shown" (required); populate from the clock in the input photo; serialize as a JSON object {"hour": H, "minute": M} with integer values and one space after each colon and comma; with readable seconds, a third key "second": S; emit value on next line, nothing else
{"hour": 2, "minute": 36}
